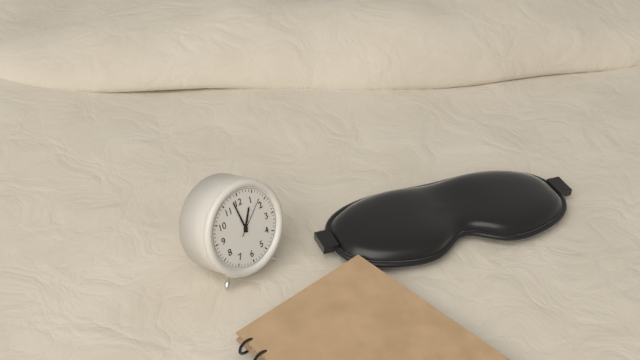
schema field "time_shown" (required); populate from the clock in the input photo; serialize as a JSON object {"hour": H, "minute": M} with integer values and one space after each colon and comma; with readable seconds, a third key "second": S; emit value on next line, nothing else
{"hour": 12, "minute": 58}
